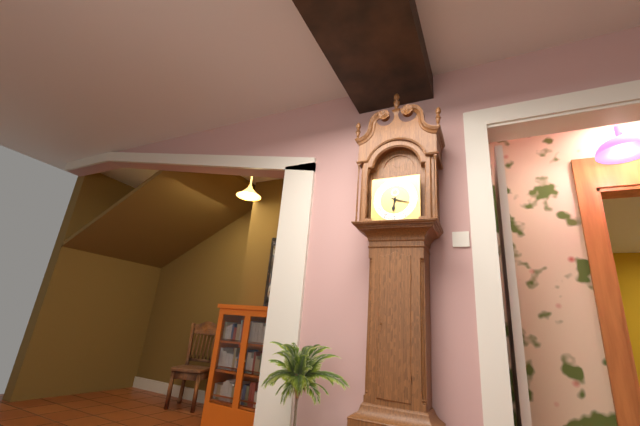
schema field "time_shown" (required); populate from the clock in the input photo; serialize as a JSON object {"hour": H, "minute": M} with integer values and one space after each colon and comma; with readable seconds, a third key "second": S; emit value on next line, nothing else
{"hour": 6, "minute": 18}
